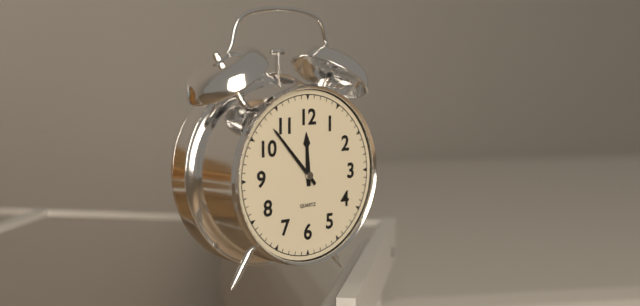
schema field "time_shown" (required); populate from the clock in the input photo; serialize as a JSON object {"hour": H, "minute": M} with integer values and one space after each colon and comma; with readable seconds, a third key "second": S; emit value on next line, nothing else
{"hour": 11, "minute": 53}
